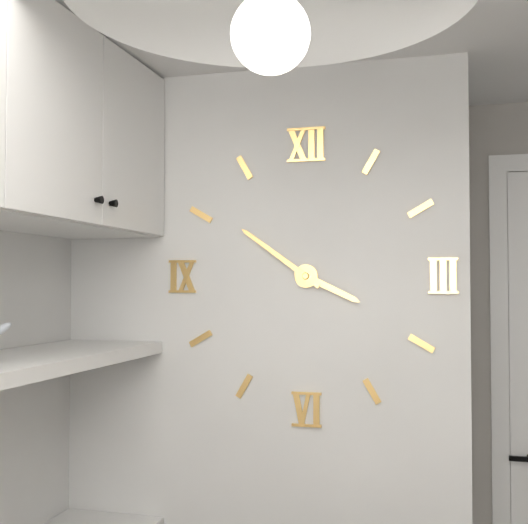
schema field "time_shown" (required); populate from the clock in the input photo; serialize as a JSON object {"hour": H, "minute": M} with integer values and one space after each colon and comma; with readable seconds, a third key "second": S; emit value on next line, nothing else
{"hour": 3, "minute": 51}
